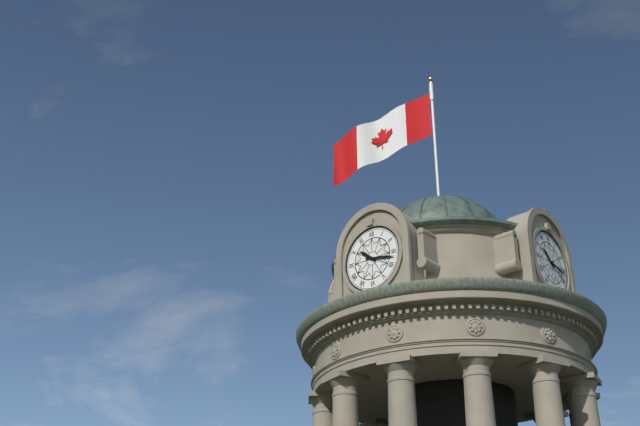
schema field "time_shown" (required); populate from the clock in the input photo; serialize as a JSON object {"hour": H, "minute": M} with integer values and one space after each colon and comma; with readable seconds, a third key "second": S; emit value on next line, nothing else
{"hour": 10, "minute": 17}
